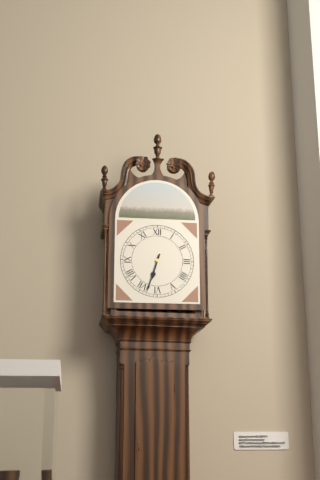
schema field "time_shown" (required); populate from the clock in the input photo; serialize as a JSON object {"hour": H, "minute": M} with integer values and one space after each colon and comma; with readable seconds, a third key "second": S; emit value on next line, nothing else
{"hour": 6, "minute": 33}
